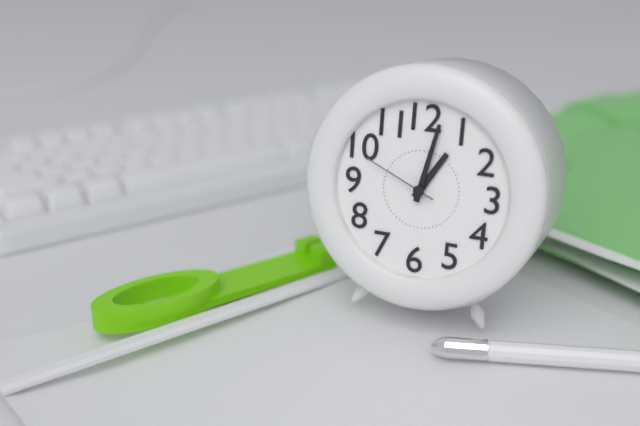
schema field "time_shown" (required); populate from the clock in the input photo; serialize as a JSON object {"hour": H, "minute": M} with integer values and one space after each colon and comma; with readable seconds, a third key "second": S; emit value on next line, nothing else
{"hour": 1, "minute": 2, "second": 49}
